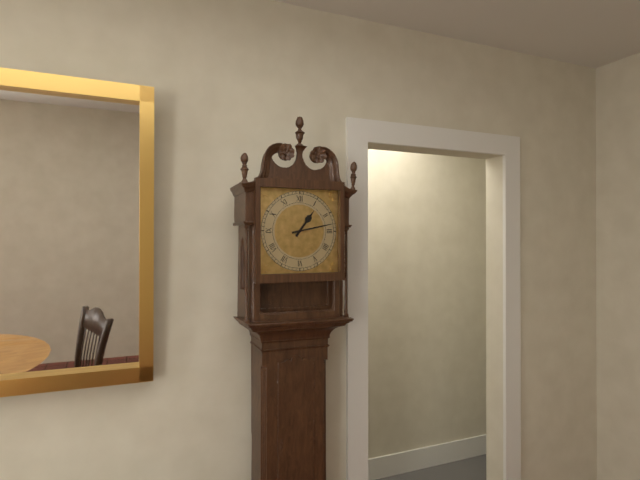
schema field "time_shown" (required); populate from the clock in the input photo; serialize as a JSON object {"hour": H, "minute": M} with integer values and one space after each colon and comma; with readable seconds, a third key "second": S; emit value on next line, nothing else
{"hour": 1, "minute": 13}
